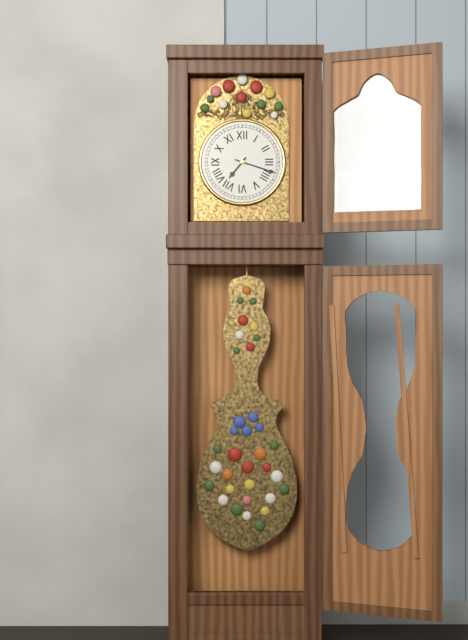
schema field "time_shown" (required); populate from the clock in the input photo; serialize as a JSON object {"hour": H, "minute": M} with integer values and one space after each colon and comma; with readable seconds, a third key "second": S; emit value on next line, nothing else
{"hour": 7, "minute": 18}
